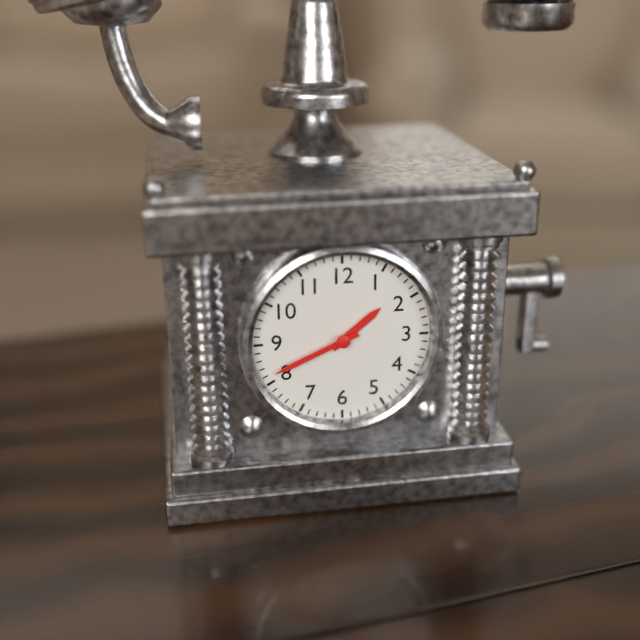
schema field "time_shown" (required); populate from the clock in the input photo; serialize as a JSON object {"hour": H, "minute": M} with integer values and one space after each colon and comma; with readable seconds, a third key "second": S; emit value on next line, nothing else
{"hour": 1, "minute": 41}
